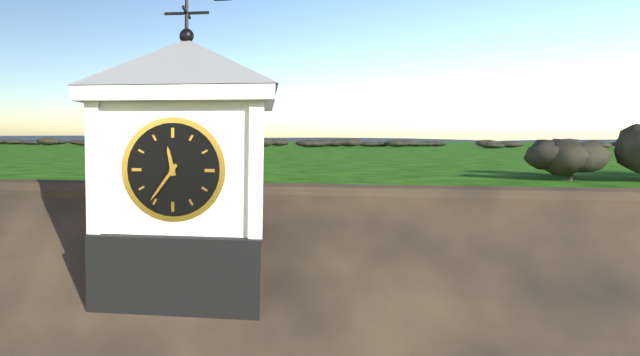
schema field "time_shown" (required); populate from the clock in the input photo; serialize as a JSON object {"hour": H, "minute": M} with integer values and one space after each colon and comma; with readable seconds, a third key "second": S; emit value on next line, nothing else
{"hour": 11, "minute": 36}
